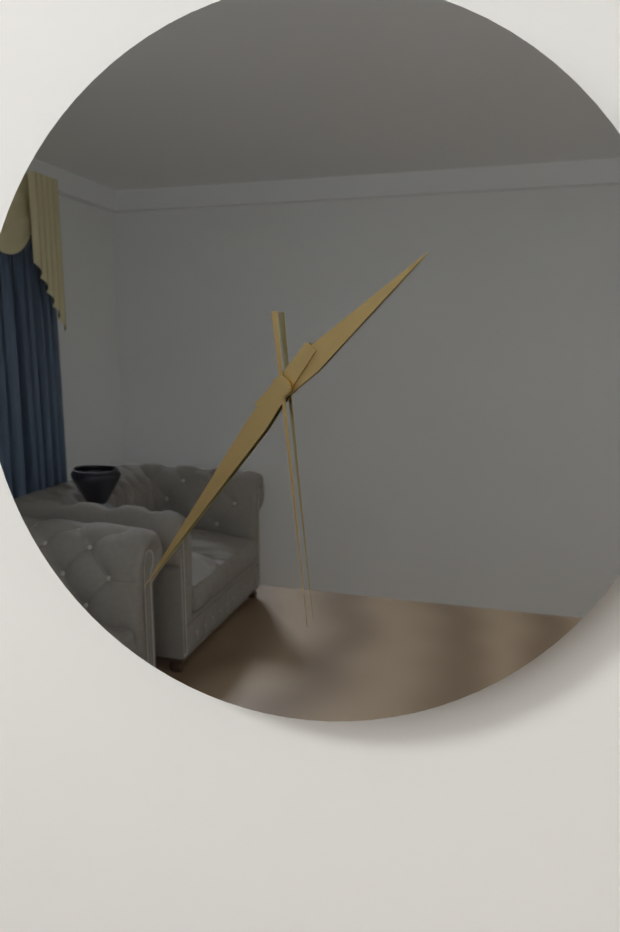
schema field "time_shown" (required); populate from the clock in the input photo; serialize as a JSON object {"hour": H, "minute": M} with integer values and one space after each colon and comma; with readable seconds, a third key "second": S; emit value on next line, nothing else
{"hour": 1, "minute": 36, "second": 29}
